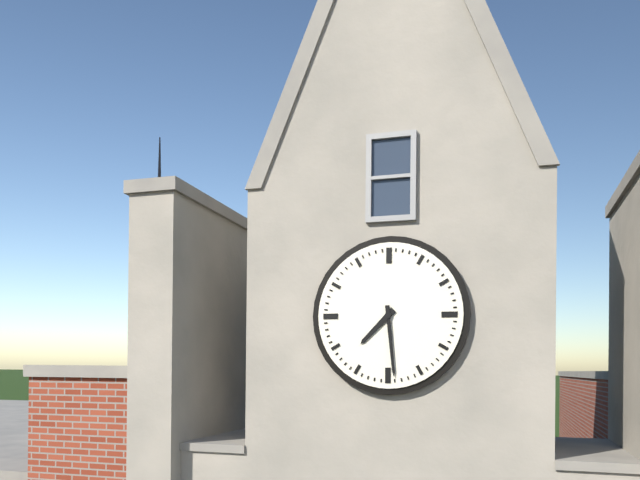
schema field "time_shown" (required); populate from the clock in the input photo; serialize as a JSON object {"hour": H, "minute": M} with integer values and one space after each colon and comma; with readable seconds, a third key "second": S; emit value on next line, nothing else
{"hour": 7, "minute": 29}
